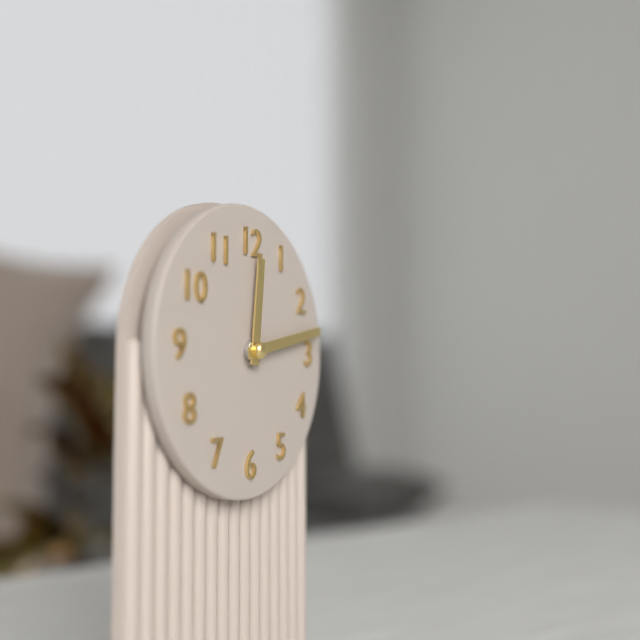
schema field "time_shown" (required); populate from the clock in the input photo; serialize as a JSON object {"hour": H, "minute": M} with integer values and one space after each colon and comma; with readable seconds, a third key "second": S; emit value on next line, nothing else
{"hour": 12, "minute": 13}
